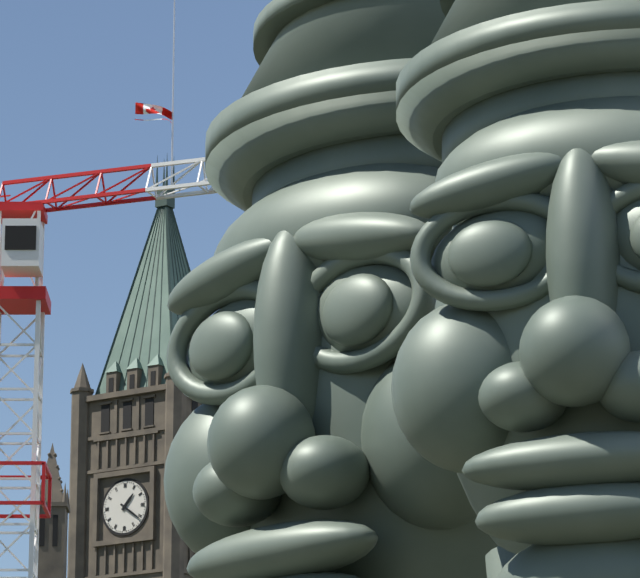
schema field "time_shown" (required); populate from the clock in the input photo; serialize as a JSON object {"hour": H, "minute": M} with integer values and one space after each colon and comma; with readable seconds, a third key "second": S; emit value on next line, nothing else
{"hour": 1, "minute": 21}
